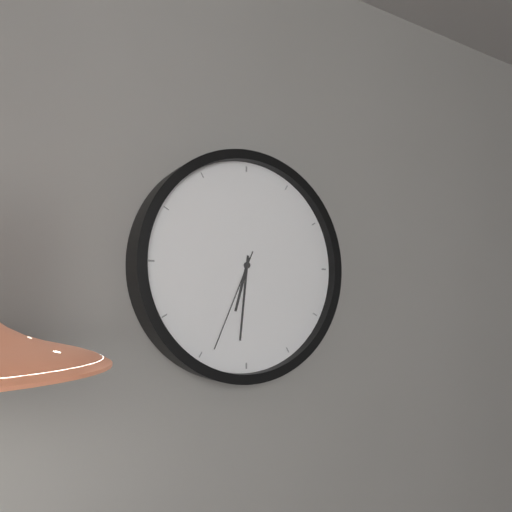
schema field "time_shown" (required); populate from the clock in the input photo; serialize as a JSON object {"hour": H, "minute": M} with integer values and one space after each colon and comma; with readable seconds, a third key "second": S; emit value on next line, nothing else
{"hour": 6, "minute": 31, "second": 34}
